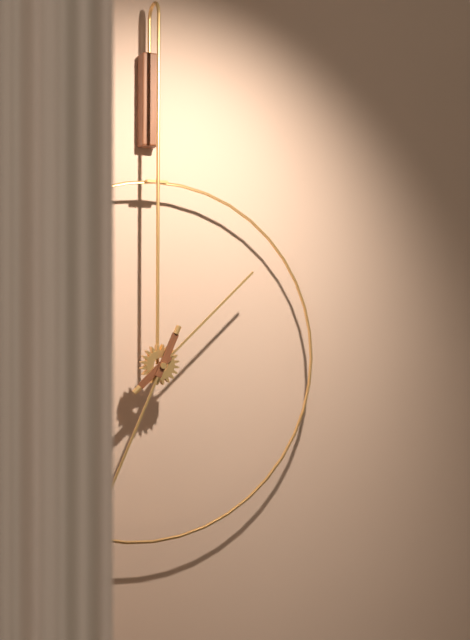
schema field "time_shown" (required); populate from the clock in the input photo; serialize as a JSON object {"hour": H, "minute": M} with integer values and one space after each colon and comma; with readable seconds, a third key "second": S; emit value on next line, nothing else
{"hour": 1, "minute": 34}
